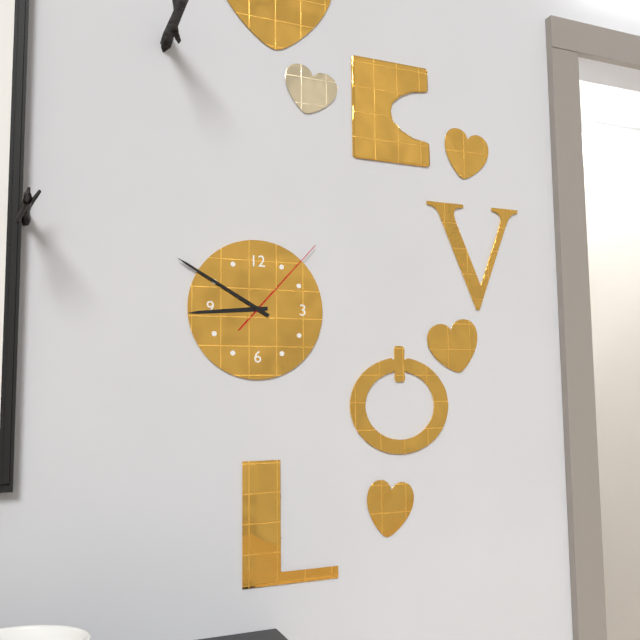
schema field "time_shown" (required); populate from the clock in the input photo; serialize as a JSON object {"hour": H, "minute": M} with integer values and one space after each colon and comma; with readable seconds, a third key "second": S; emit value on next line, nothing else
{"hour": 8, "minute": 50, "second": 7}
